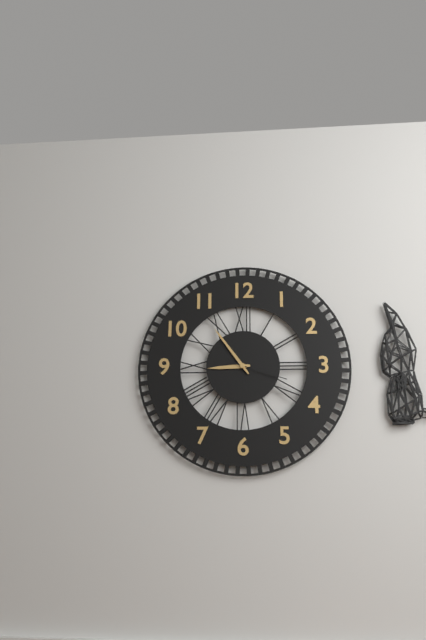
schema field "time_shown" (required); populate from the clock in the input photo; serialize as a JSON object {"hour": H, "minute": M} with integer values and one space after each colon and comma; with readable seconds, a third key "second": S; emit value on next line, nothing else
{"hour": 8, "minute": 54, "second": 18}
